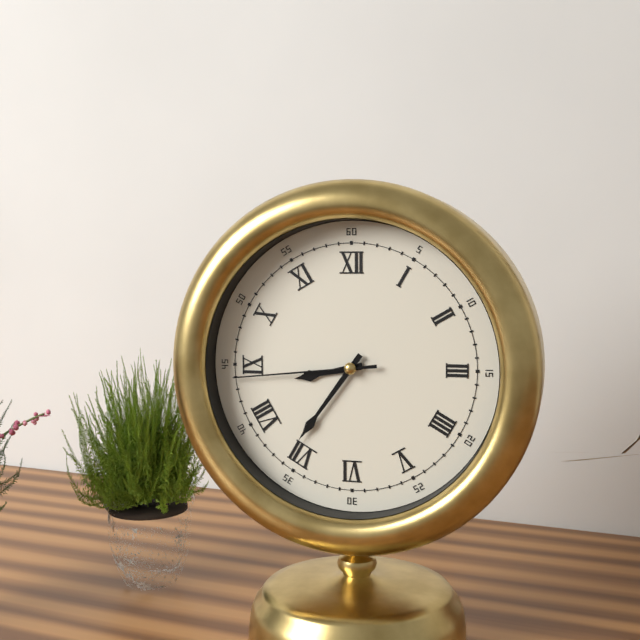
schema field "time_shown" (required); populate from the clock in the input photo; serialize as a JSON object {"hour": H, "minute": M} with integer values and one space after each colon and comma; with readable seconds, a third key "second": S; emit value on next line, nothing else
{"hour": 8, "minute": 36, "second": 44}
